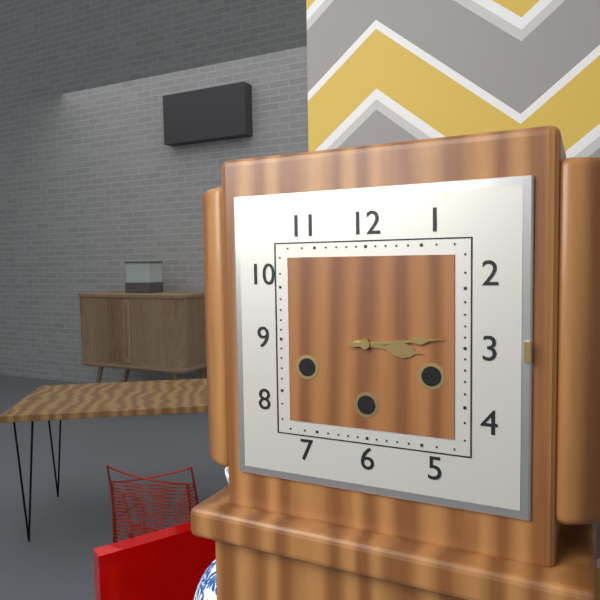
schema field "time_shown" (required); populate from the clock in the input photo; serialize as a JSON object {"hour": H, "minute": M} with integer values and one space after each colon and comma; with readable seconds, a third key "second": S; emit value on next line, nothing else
{"hour": 3, "minute": 14}
